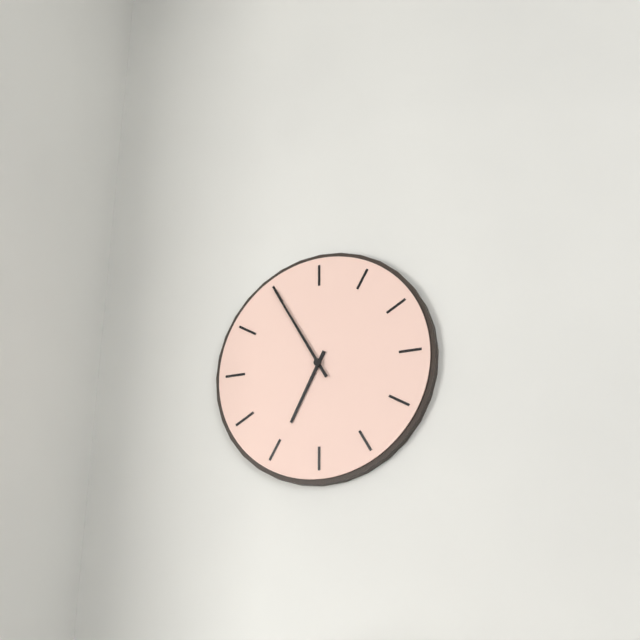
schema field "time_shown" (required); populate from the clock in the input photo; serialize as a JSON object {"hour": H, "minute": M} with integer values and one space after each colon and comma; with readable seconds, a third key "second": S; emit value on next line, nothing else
{"hour": 6, "minute": 55}
